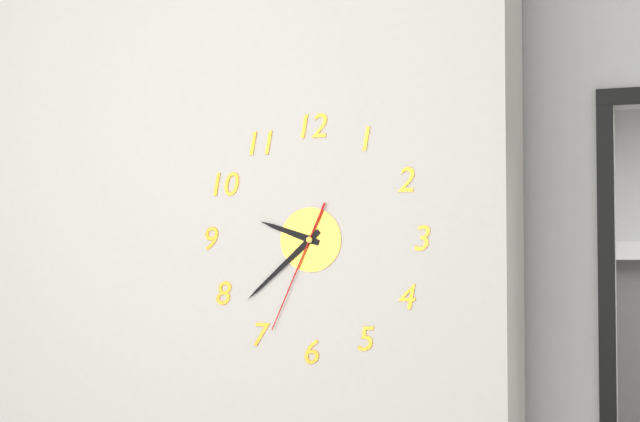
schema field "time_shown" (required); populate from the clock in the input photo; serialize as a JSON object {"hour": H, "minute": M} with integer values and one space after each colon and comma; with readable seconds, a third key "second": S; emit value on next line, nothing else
{"hour": 9, "minute": 38, "second": 34}
